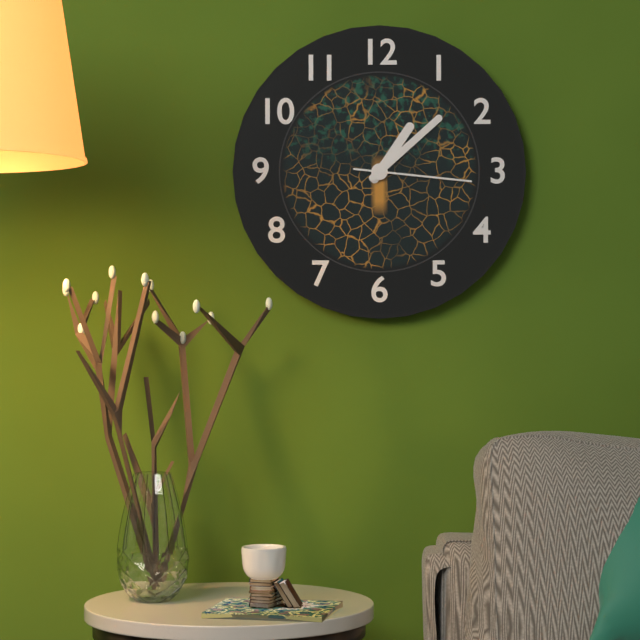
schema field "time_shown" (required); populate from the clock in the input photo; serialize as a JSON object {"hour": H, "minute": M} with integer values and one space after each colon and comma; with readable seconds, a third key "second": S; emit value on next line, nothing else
{"hour": 1, "minute": 8, "second": 16}
